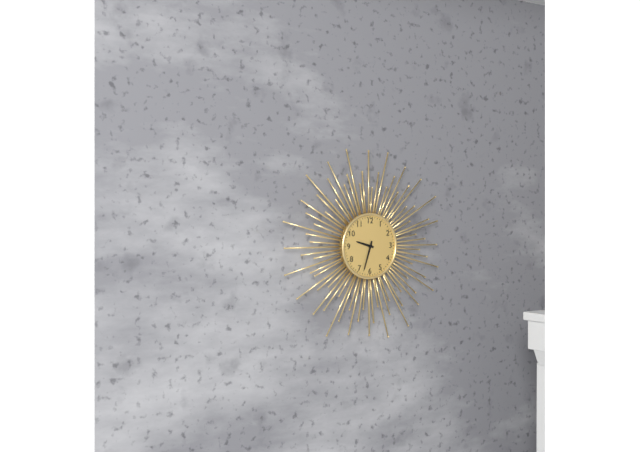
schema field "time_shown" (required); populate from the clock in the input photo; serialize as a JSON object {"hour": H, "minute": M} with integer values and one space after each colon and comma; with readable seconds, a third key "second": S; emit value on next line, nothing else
{"hour": 9, "minute": 33}
